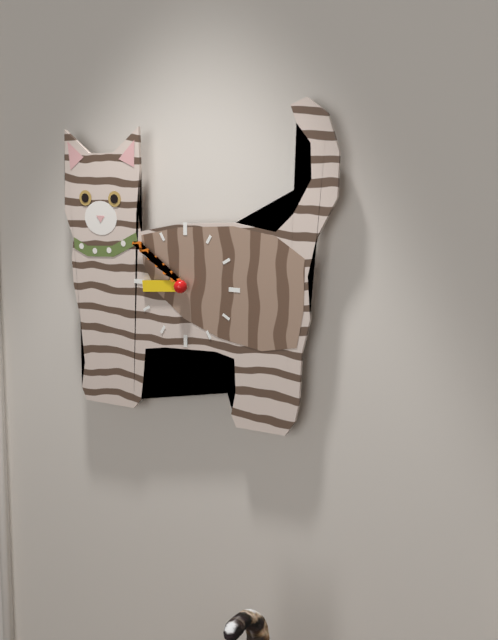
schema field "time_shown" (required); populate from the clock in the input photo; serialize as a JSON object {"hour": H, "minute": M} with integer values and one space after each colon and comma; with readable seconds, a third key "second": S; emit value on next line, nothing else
{"hour": 8, "minute": 51}
